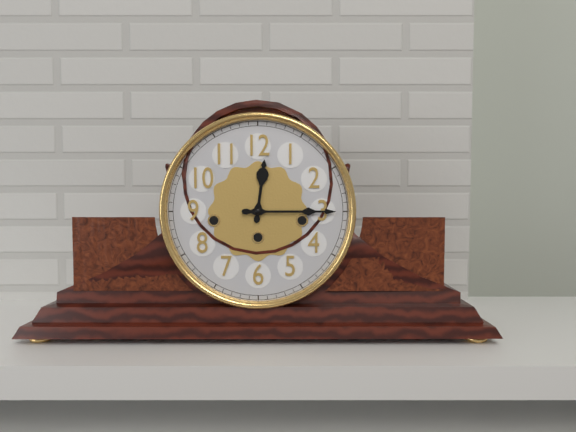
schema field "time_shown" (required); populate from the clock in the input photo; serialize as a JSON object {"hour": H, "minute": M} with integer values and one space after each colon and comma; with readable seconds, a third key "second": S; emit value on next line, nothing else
{"hour": 12, "minute": 15}
